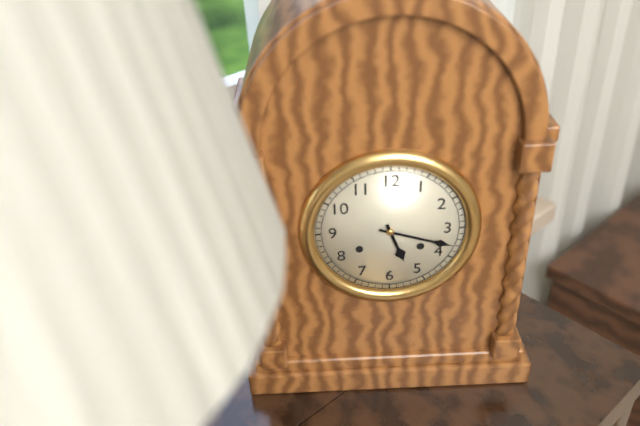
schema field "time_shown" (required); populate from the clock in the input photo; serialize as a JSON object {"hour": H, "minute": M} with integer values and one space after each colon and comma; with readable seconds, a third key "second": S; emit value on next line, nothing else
{"hour": 5, "minute": 18}
